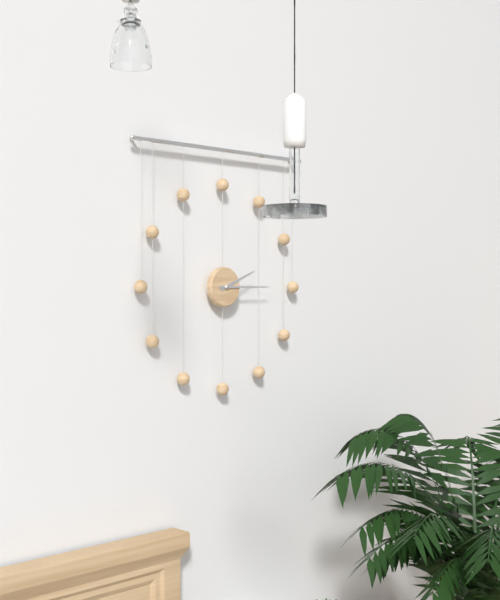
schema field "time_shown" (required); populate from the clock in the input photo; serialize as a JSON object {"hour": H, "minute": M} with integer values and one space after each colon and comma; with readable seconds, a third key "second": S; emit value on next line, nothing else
{"hour": 2, "minute": 15}
